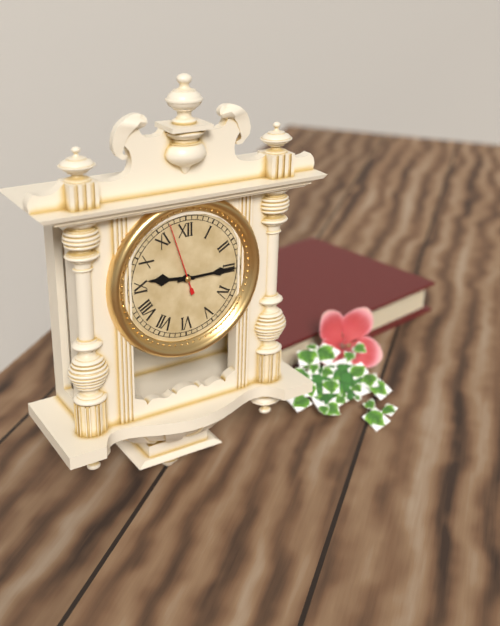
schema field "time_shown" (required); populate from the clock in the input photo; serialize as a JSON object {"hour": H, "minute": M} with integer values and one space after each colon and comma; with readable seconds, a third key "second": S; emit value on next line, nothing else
{"hour": 9, "minute": 15, "second": 57}
